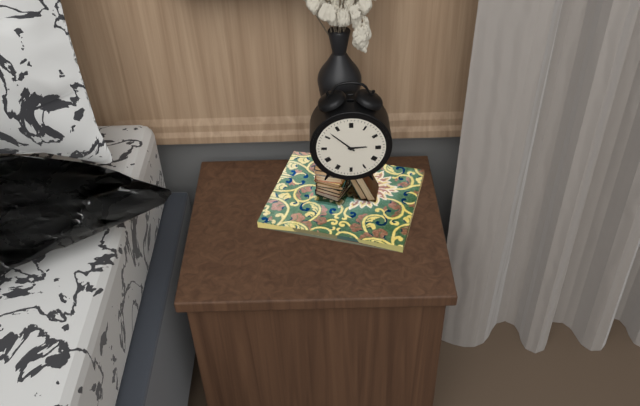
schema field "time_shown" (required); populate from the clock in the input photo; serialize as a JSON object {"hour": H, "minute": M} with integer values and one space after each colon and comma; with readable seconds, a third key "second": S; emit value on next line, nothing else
{"hour": 2, "minute": 52}
